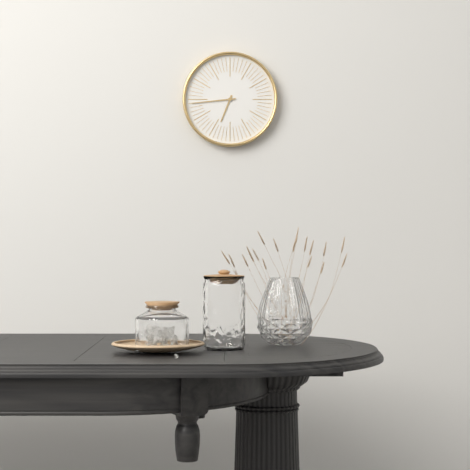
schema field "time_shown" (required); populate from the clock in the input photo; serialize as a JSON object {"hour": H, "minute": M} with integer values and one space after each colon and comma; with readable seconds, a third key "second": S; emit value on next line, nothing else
{"hour": 6, "minute": 44}
